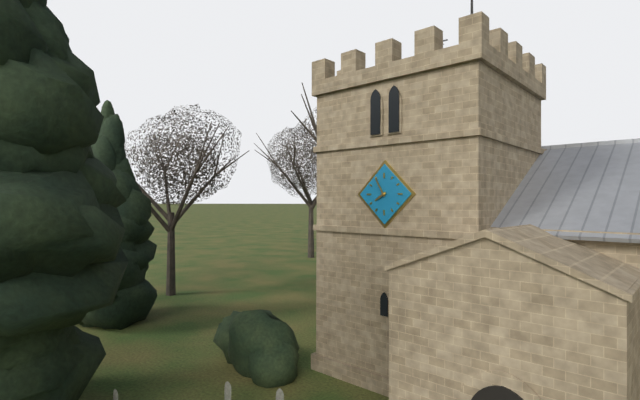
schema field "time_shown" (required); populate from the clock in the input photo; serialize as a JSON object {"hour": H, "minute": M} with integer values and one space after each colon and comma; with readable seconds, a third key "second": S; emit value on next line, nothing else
{"hour": 7, "minute": 55}
